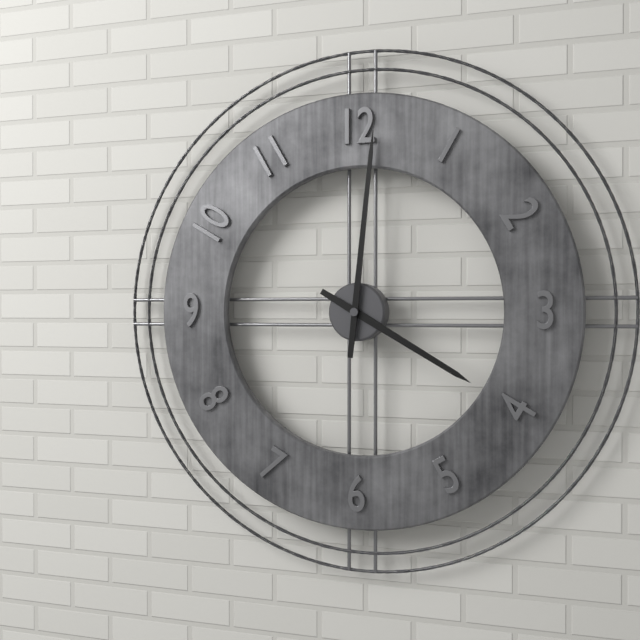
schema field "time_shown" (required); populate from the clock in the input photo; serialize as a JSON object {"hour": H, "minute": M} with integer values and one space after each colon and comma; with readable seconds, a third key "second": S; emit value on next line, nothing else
{"hour": 4, "minute": 1}
